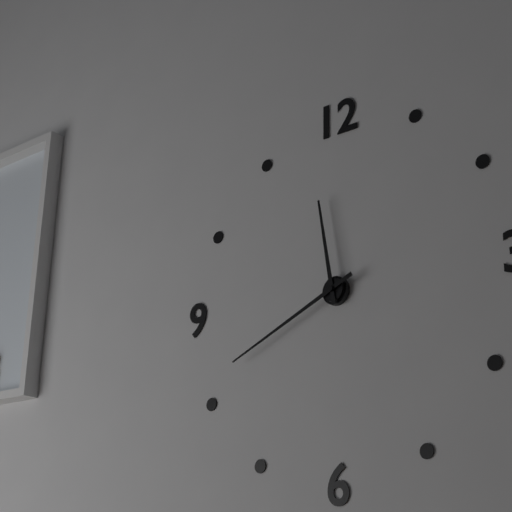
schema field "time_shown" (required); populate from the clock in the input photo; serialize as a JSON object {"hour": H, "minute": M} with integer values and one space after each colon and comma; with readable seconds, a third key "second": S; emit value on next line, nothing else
{"hour": 11, "minute": 41}
